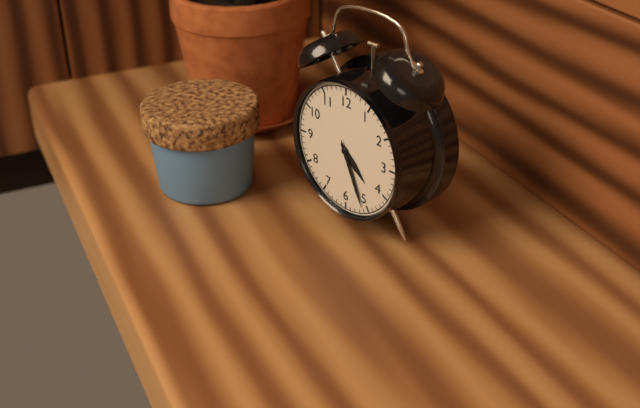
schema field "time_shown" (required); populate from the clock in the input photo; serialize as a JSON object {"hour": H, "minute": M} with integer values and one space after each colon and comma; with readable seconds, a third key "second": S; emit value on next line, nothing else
{"hour": 4, "minute": 26}
